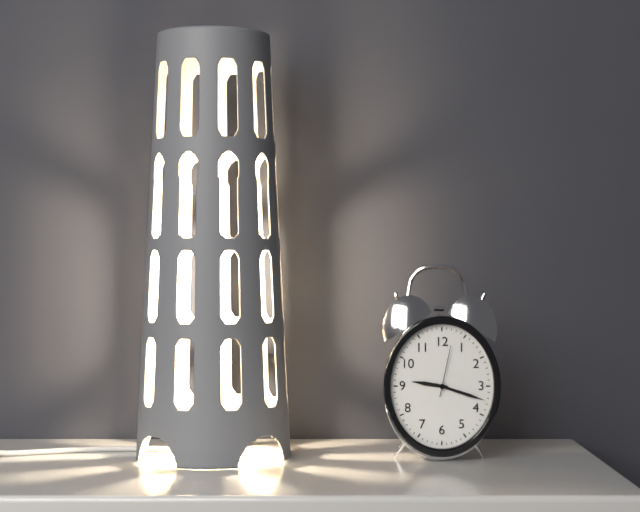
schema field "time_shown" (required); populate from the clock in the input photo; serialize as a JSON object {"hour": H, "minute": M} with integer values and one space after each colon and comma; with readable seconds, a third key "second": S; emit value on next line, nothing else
{"hour": 9, "minute": 18}
